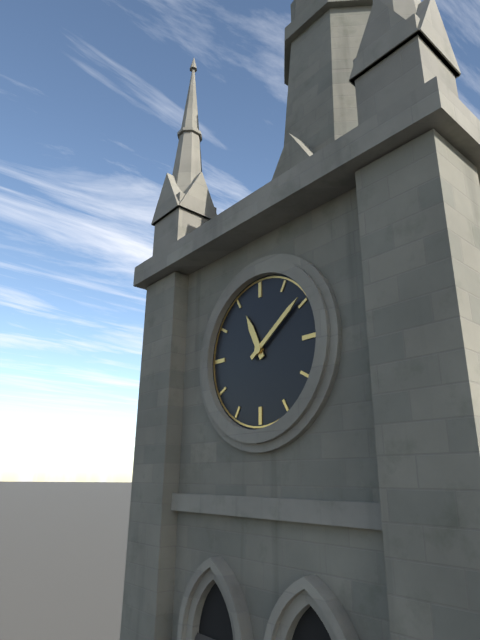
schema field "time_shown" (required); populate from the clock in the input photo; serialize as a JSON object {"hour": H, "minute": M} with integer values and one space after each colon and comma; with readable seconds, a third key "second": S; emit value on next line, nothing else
{"hour": 11, "minute": 9}
